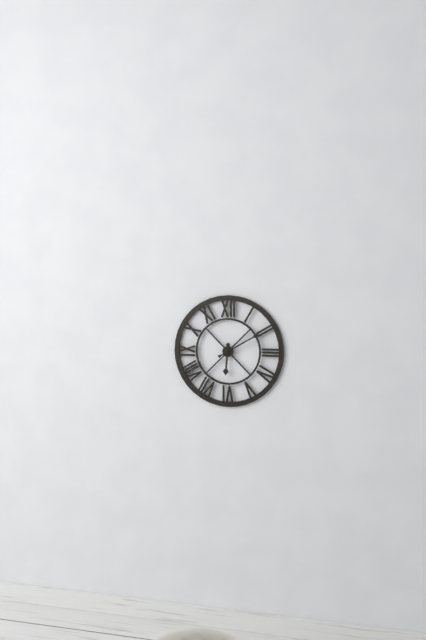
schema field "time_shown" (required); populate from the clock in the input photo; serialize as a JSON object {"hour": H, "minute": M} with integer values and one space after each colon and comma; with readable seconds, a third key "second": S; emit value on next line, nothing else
{"hour": 6, "minute": 10}
